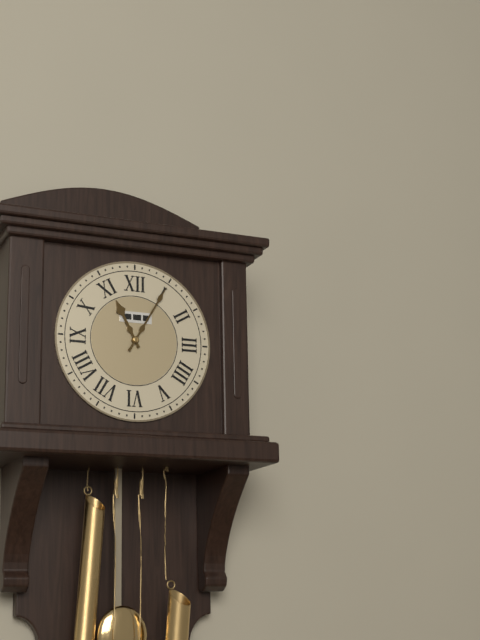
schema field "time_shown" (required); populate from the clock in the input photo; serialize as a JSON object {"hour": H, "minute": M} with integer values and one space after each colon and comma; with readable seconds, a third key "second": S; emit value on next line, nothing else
{"hour": 11, "minute": 5}
